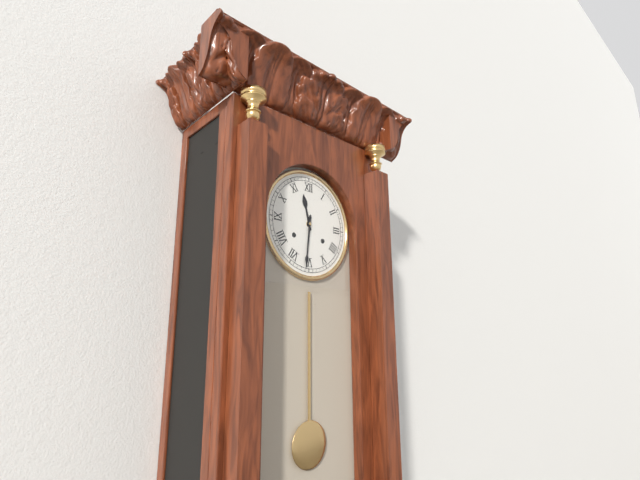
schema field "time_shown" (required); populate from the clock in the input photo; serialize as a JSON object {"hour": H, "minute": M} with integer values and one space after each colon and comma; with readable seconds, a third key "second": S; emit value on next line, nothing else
{"hour": 11, "minute": 31}
